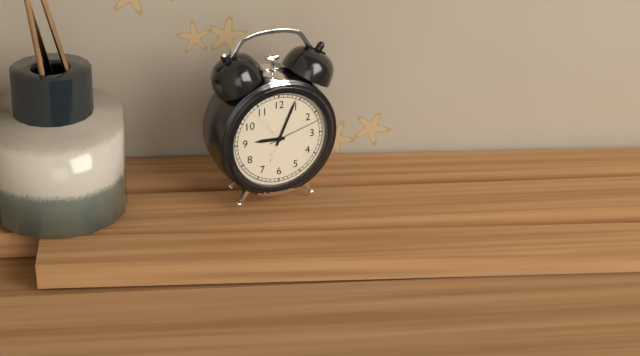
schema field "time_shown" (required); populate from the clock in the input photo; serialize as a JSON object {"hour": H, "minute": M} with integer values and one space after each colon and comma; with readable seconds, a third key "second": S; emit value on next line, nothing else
{"hour": 9, "minute": 4, "second": 12}
